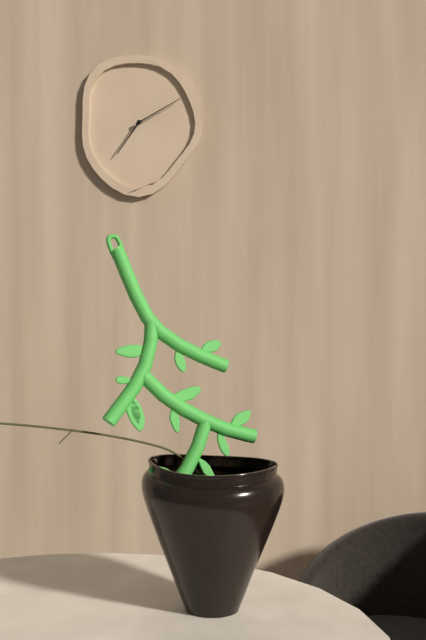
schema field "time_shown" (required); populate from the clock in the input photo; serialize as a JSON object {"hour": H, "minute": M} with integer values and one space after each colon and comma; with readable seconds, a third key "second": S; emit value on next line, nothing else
{"hour": 7, "minute": 10}
